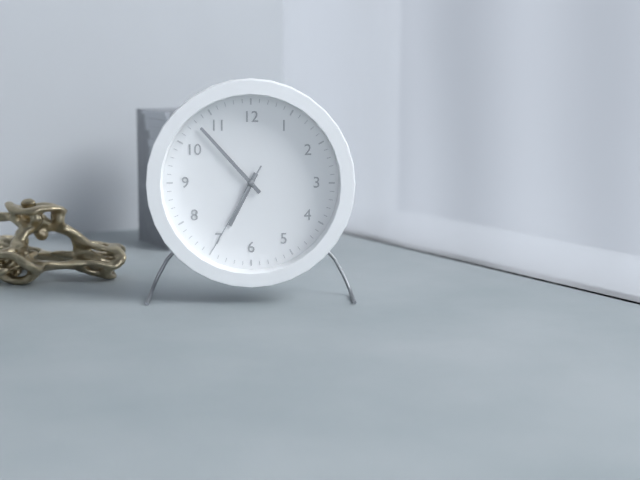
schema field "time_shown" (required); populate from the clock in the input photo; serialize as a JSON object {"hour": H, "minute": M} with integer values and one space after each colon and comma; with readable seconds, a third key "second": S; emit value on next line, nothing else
{"hour": 6, "minute": 53, "second": 35}
